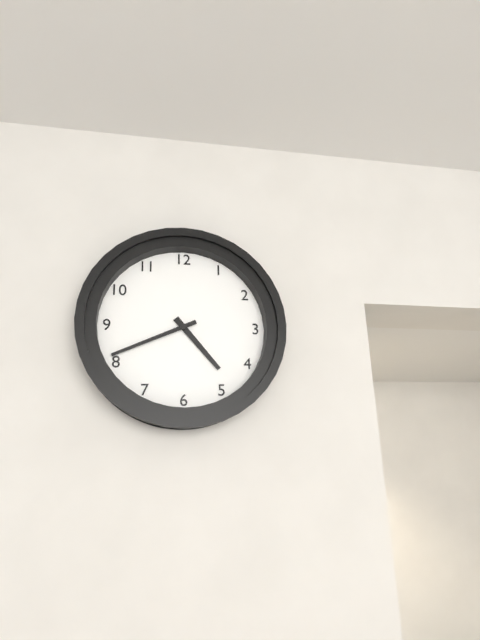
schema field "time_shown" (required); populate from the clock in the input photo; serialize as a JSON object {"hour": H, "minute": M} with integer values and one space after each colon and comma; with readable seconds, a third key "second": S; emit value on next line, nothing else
{"hour": 4, "minute": 41}
